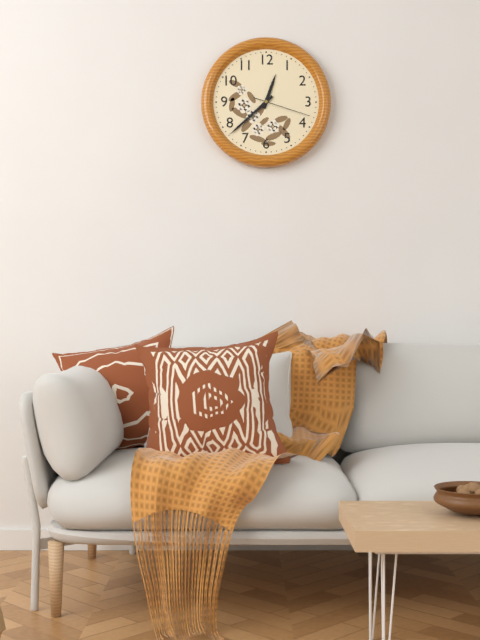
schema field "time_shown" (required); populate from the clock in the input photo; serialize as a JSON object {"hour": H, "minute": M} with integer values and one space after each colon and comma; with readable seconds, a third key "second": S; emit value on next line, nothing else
{"hour": 12, "minute": 38, "second": 18}
